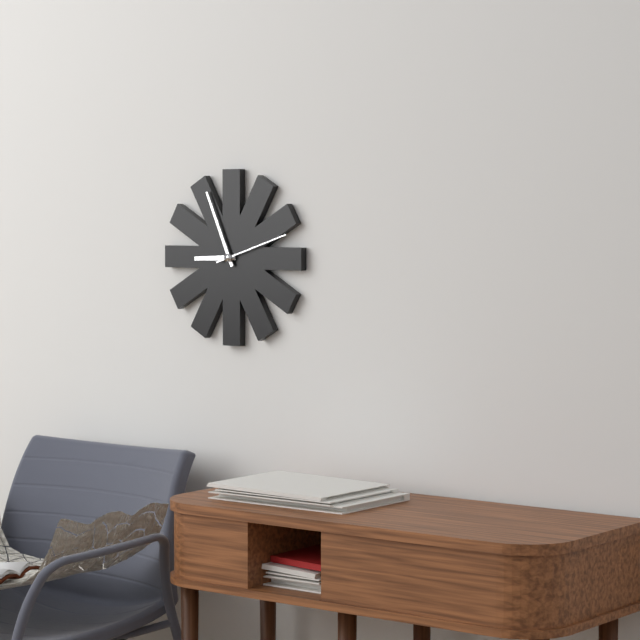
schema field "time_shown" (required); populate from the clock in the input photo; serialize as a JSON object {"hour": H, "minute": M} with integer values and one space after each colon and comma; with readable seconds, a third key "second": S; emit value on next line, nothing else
{"hour": 8, "minute": 56, "second": 12}
